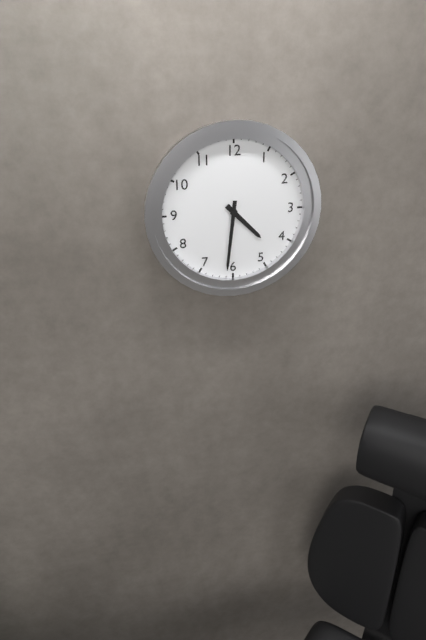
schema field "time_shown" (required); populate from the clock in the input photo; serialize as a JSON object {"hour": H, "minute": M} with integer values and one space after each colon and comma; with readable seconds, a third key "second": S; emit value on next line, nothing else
{"hour": 4, "minute": 31}
